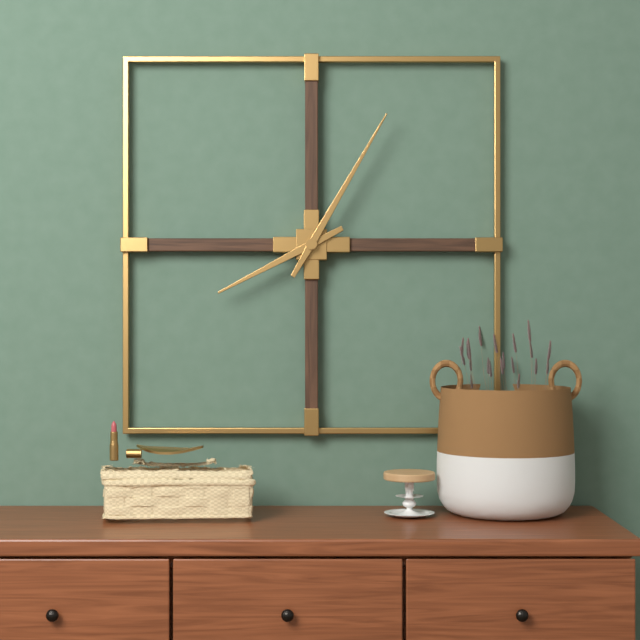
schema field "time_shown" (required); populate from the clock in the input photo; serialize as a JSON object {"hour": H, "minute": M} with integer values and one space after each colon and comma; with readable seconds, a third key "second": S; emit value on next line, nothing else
{"hour": 8, "minute": 5}
